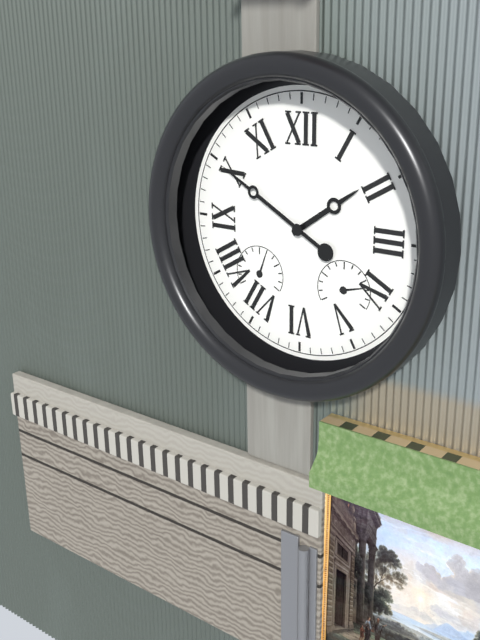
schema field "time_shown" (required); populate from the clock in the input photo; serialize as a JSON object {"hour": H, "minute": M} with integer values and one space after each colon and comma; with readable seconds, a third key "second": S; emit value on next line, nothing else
{"hour": 1, "minute": 50}
